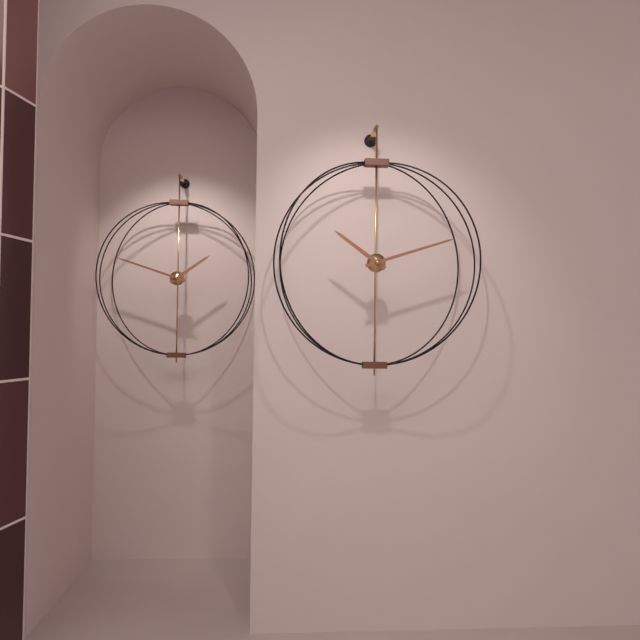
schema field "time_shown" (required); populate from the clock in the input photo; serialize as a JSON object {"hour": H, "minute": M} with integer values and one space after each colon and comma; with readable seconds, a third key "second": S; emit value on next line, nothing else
{"hour": 10, "minute": 12}
